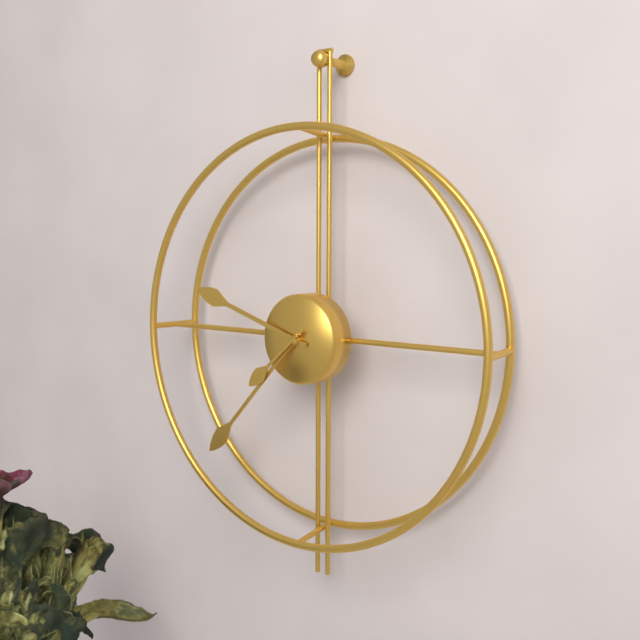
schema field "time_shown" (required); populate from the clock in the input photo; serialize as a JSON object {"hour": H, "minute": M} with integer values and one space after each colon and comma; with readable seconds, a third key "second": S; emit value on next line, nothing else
{"hour": 9, "minute": 37, "second": 38}
